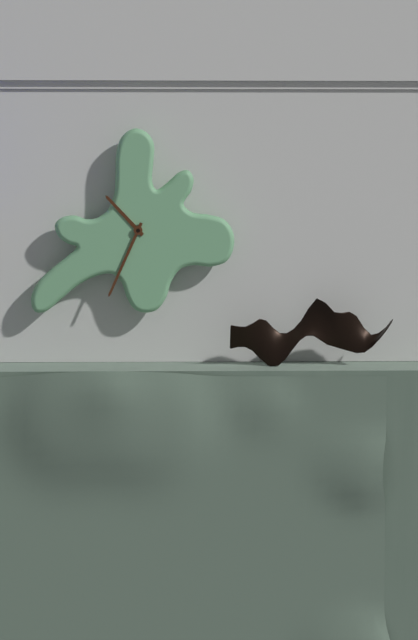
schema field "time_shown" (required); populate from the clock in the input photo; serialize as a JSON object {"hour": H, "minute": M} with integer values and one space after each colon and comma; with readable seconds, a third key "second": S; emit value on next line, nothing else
{"hour": 10, "minute": 34}
